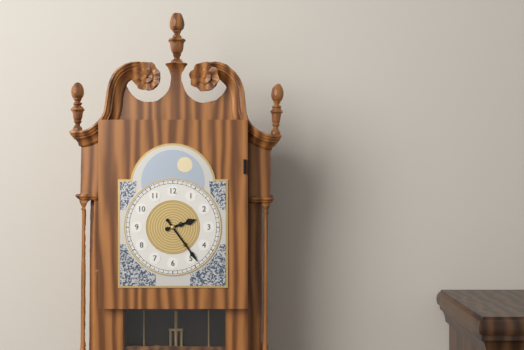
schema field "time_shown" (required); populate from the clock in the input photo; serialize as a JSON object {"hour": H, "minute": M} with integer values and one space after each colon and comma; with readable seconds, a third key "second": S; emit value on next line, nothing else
{"hour": 2, "minute": 24}
